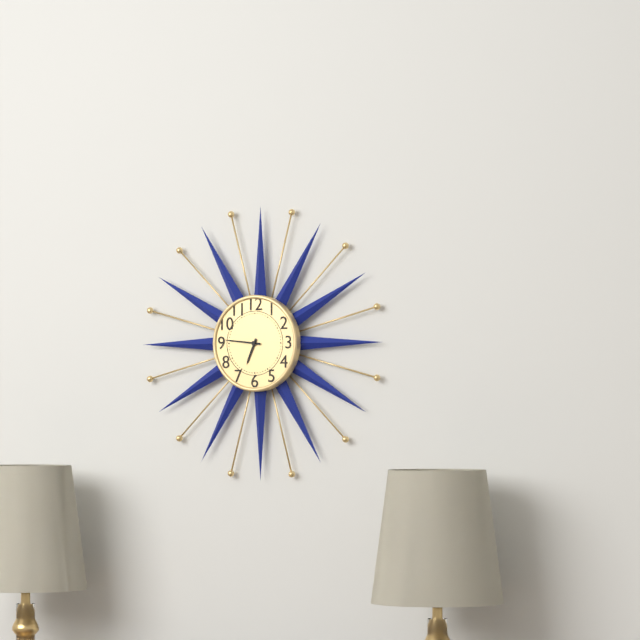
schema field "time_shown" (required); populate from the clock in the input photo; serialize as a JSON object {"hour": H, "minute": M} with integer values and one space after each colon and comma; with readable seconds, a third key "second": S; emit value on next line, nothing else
{"hour": 6, "minute": 46}
